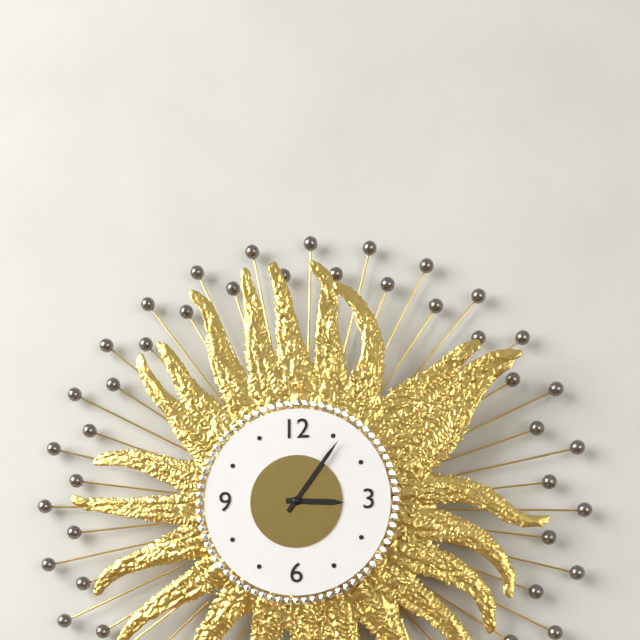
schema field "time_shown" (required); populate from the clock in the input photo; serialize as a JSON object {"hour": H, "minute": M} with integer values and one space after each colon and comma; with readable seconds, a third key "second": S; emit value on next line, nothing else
{"hour": 3, "minute": 6}
